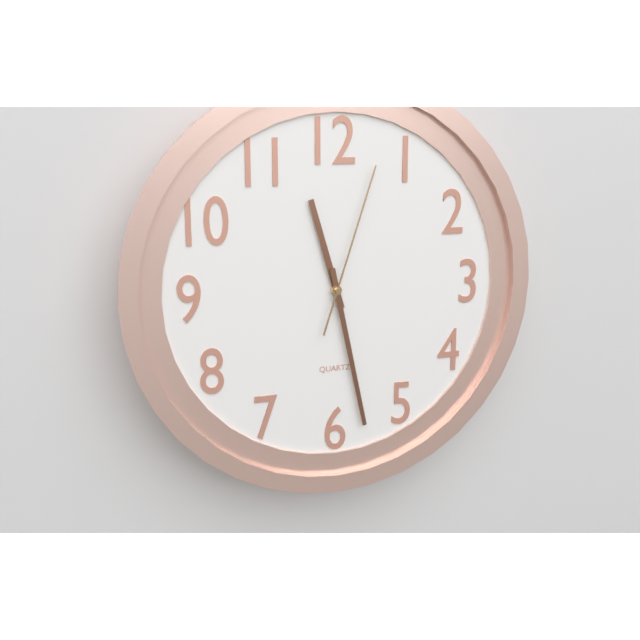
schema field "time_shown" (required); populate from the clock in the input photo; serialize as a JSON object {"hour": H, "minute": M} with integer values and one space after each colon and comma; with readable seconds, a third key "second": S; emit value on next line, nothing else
{"hour": 11, "minute": 28, "second": 3}
